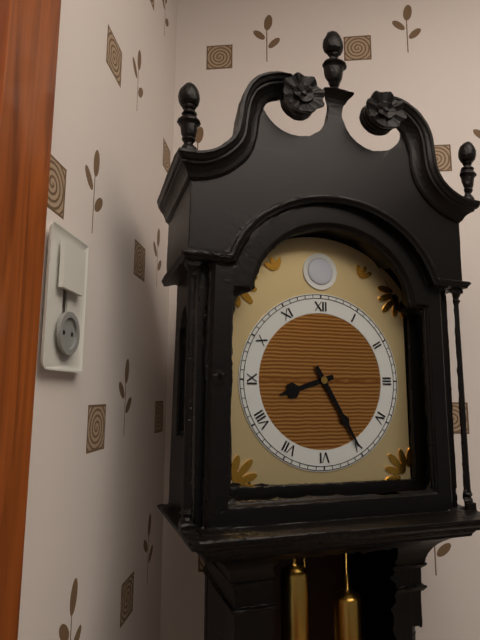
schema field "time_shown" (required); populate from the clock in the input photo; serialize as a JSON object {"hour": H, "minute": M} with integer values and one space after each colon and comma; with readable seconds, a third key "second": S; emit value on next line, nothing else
{"hour": 8, "minute": 25}
